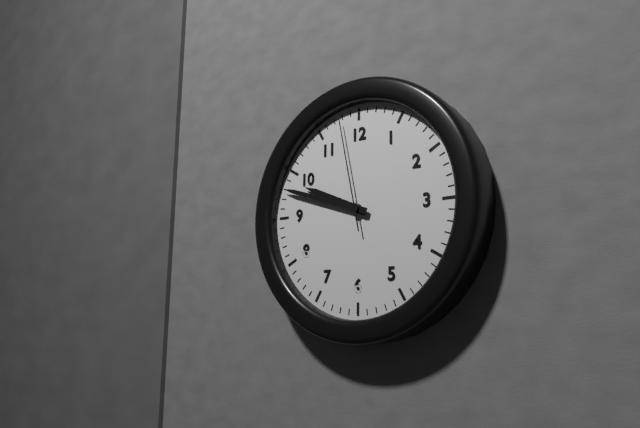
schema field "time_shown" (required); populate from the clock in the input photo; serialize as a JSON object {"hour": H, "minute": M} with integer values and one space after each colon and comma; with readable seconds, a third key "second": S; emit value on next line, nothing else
{"hour": 9, "minute": 48, "second": 58}
